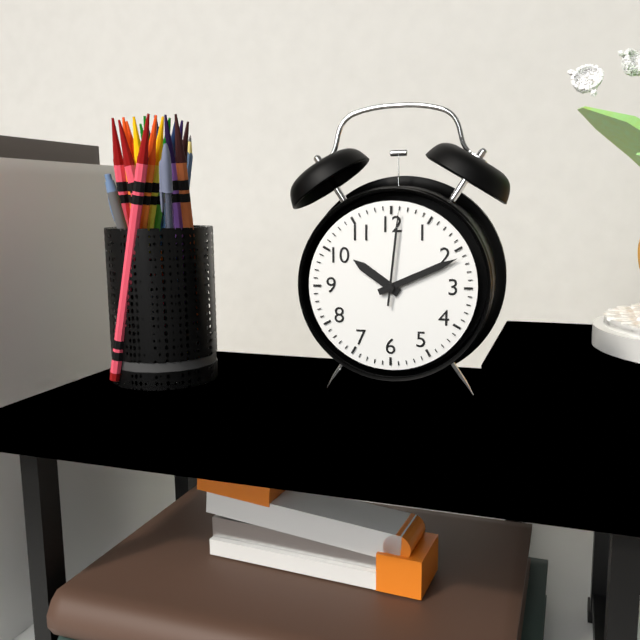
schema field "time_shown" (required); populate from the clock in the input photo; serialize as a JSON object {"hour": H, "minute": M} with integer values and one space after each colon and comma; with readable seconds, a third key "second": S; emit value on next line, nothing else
{"hour": 10, "minute": 11, "second": 1}
